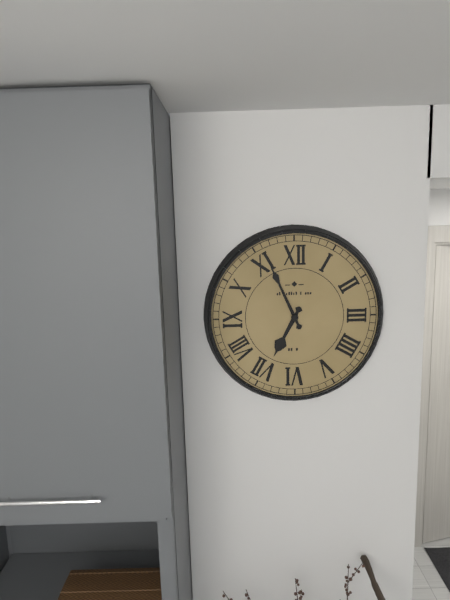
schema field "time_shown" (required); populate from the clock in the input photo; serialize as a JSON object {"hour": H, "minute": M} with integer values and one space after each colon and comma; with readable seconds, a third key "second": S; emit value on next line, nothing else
{"hour": 6, "minute": 56}
